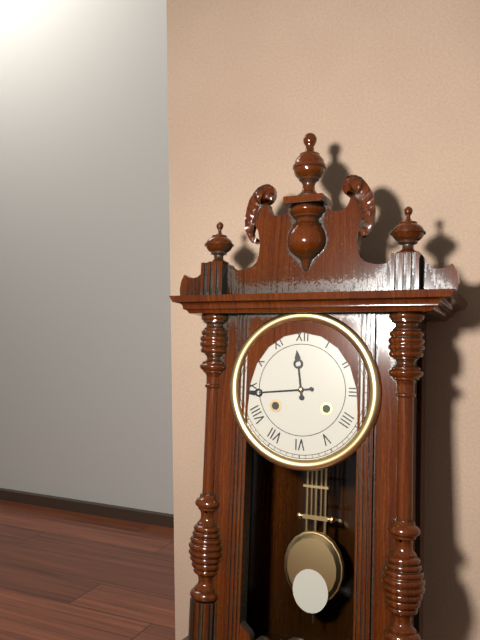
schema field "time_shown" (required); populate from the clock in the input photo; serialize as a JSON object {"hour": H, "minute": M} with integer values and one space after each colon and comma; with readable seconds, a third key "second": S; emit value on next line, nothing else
{"hour": 11, "minute": 44}
